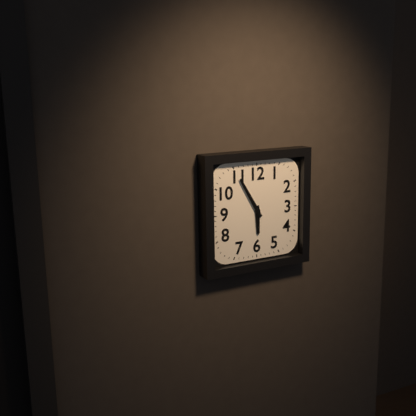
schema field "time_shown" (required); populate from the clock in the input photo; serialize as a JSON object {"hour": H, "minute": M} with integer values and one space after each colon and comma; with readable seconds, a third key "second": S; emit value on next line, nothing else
{"hour": 5, "minute": 55}
